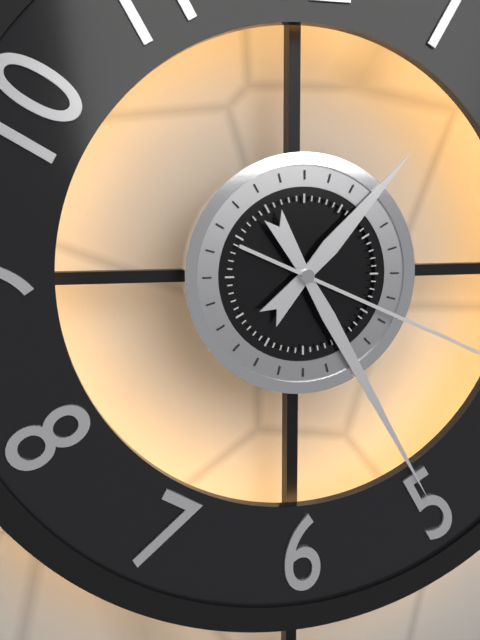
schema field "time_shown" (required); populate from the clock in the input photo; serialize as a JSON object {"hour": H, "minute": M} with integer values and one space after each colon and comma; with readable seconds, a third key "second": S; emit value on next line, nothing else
{"hour": 1, "minute": 25}
